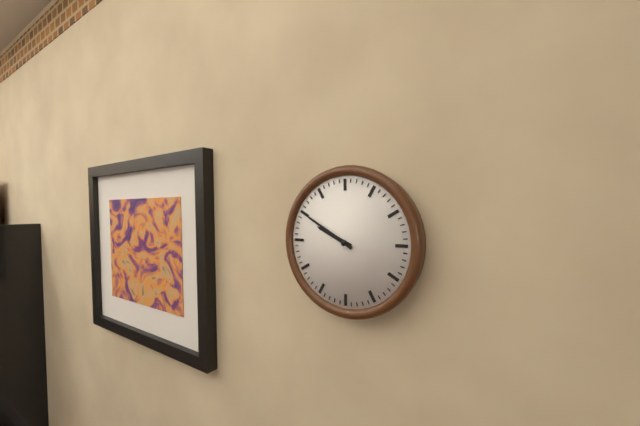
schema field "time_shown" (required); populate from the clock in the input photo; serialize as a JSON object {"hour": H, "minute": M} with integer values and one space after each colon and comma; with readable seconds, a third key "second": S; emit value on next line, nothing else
{"hour": 9, "minute": 50}
